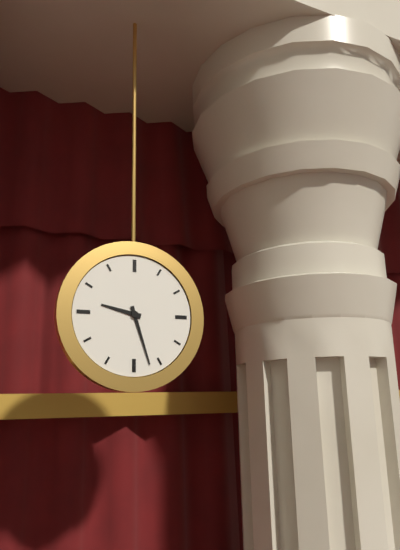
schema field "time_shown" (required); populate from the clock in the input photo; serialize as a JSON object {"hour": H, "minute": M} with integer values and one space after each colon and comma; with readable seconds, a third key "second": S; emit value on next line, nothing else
{"hour": 9, "minute": 27}
